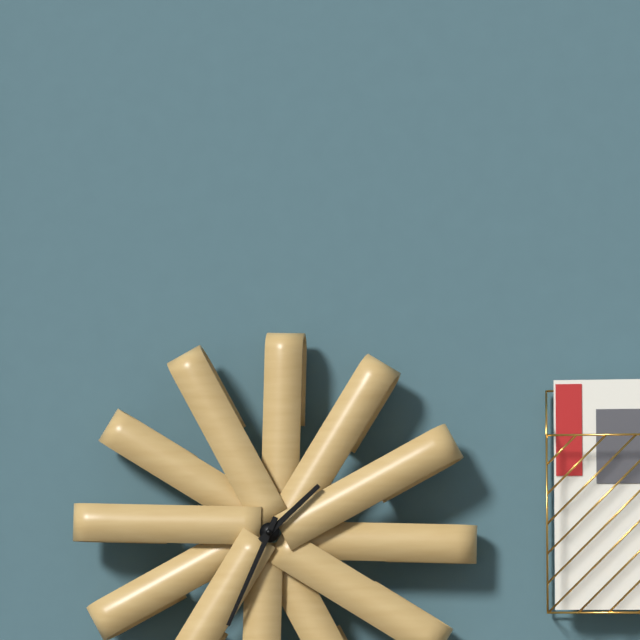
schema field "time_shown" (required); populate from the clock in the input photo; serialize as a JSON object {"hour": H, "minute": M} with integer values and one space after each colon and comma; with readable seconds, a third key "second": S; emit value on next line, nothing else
{"hour": 1, "minute": 34}
